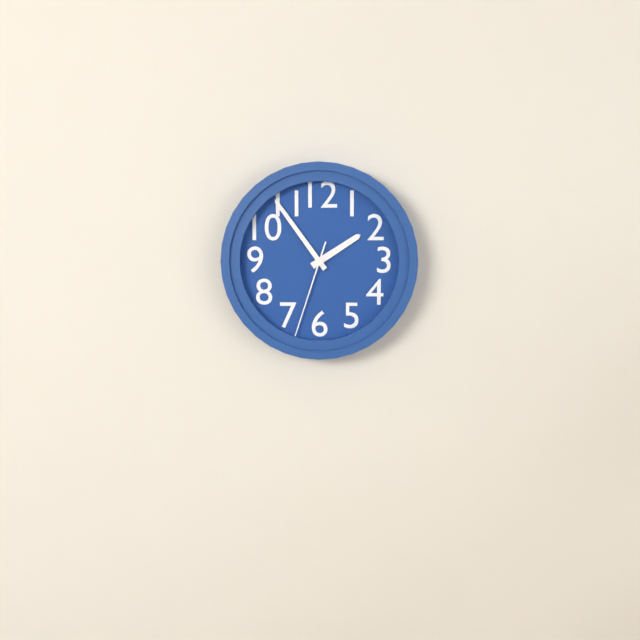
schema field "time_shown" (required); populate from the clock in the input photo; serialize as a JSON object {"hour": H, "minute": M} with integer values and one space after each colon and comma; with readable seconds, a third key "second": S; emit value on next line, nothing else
{"hour": 1, "minute": 54, "second": 33}
